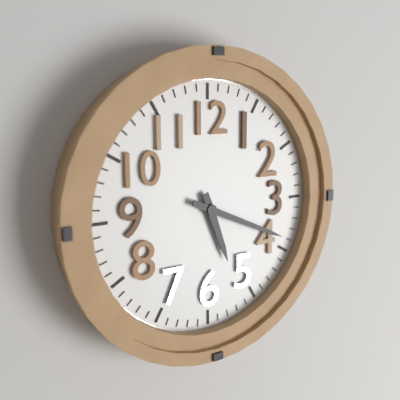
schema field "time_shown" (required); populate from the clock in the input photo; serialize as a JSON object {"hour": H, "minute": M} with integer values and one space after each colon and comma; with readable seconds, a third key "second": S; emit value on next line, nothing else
{"hour": 5, "minute": 19}
